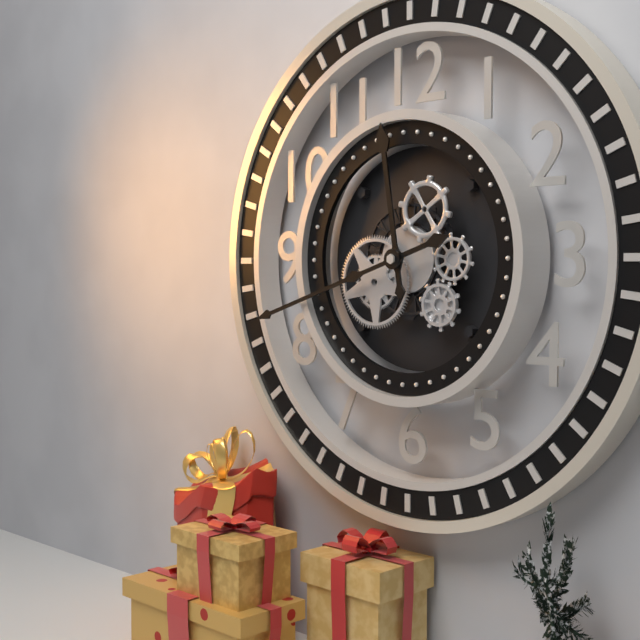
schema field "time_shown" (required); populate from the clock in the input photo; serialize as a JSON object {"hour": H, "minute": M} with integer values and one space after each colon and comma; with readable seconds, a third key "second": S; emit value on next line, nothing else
{"hour": 11, "minute": 42}
